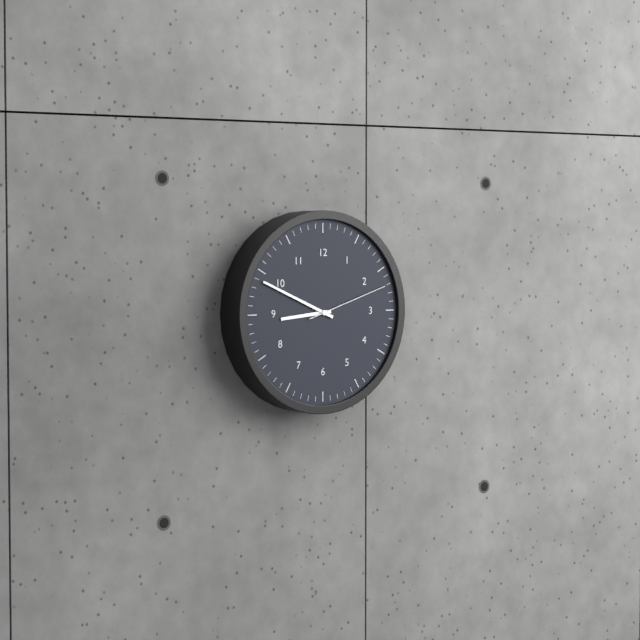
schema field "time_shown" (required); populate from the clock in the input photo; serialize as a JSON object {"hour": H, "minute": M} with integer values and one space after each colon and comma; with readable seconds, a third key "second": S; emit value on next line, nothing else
{"hour": 8, "minute": 49, "second": 12}
